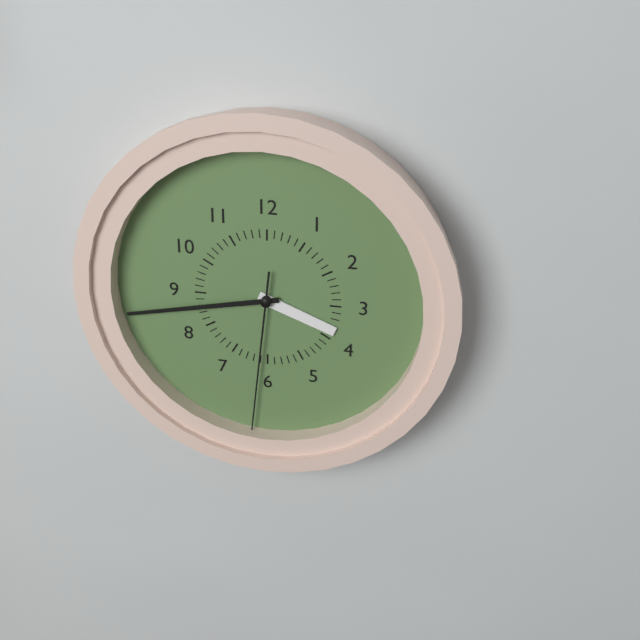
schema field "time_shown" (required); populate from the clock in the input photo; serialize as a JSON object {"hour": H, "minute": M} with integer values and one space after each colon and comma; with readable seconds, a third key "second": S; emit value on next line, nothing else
{"hour": 3, "minute": 43, "second": 31}
